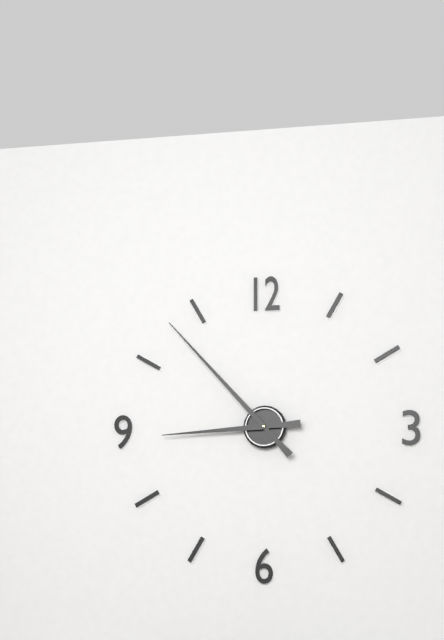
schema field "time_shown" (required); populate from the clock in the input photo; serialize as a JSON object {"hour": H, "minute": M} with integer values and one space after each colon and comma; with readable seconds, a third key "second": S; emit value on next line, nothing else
{"hour": 8, "minute": 53}
